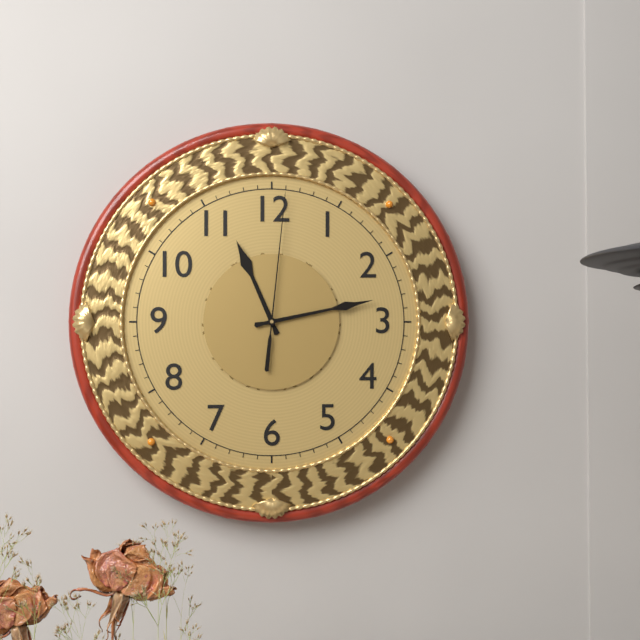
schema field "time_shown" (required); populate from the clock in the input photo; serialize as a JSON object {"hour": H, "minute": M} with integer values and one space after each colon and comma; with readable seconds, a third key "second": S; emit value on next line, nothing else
{"hour": 11, "minute": 13, "second": 1}
